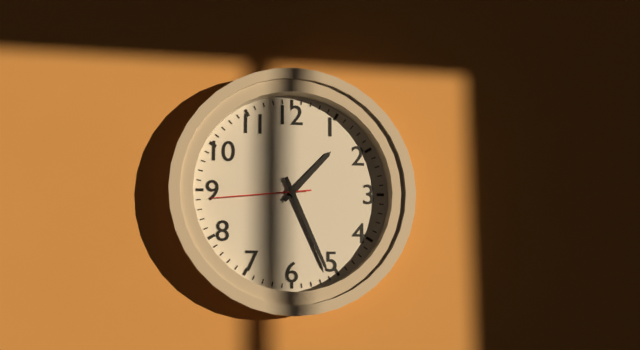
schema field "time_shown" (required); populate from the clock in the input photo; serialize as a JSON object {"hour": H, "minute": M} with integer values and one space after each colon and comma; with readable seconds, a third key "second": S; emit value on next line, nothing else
{"hour": 1, "minute": 26, "second": 44}
